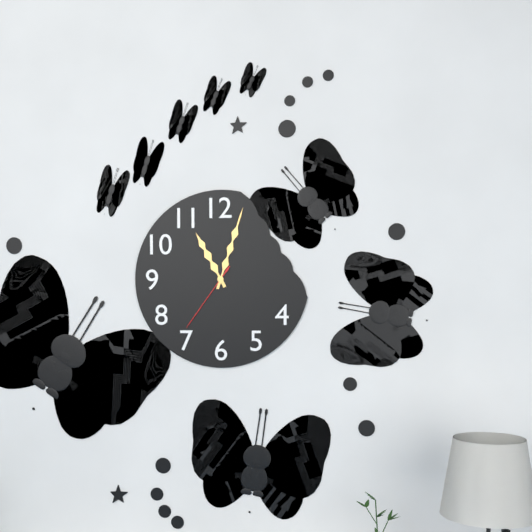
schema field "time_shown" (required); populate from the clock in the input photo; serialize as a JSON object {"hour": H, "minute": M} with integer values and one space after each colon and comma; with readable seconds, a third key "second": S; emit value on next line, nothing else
{"hour": 11, "minute": 3, "second": 36}
